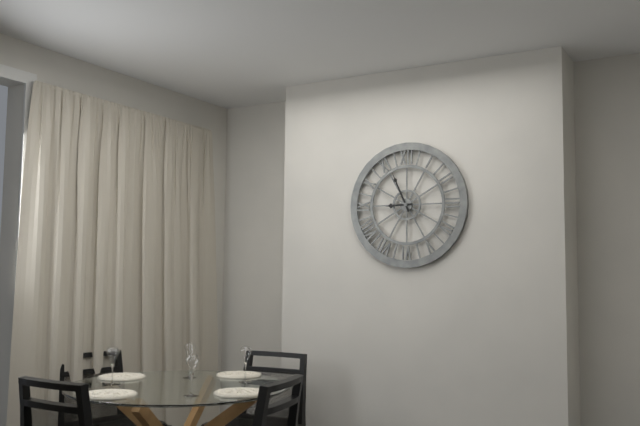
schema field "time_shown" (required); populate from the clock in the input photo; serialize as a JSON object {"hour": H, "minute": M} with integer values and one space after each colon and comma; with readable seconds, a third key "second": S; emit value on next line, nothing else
{"hour": 8, "minute": 56}
